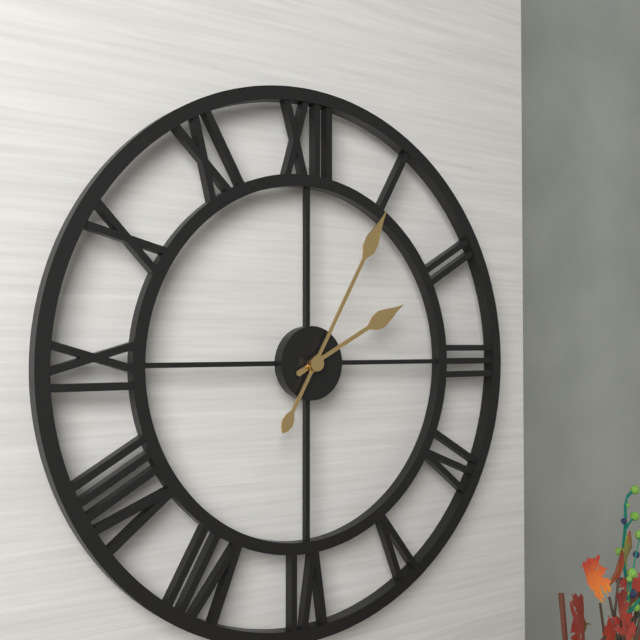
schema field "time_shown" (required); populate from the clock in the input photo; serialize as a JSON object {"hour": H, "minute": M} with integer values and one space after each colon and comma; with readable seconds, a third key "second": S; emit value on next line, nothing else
{"hour": 2, "minute": 5}
